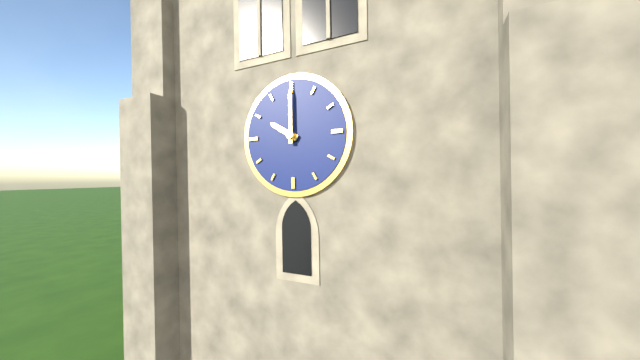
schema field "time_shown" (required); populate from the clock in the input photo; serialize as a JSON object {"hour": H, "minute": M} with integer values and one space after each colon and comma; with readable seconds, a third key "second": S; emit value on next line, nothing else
{"hour": 10, "minute": 0}
